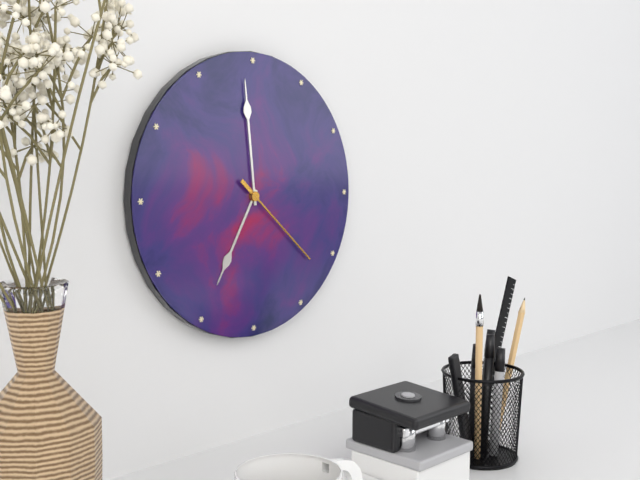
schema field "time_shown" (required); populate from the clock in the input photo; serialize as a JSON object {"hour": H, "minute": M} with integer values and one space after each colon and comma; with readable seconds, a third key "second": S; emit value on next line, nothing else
{"hour": 6, "minute": 59, "second": 22}
